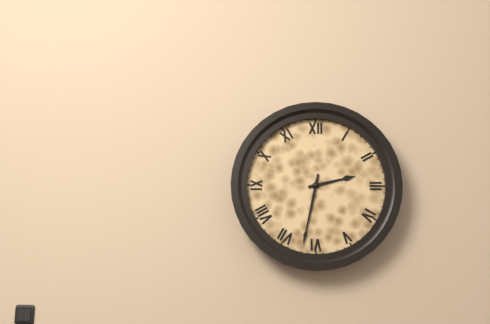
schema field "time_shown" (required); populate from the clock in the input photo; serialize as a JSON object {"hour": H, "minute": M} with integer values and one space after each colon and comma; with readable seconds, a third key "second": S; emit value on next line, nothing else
{"hour": 2, "minute": 32}
